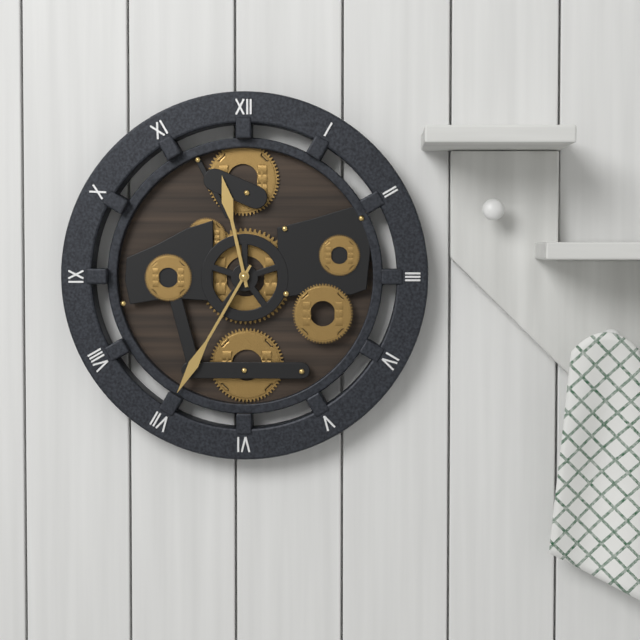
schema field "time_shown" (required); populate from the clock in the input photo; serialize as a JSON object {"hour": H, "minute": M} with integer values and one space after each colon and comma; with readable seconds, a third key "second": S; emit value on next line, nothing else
{"hour": 11, "minute": 35}
